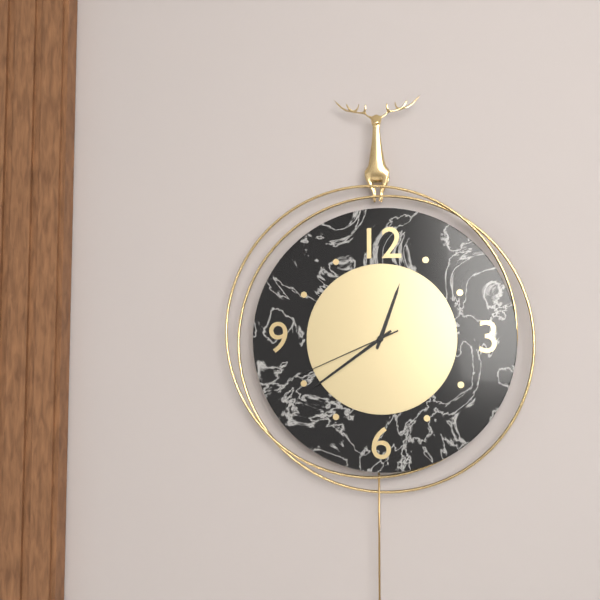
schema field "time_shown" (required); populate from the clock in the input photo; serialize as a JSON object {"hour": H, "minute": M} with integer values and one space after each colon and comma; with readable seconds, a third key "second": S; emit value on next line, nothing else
{"hour": 12, "minute": 39, "second": 41}
